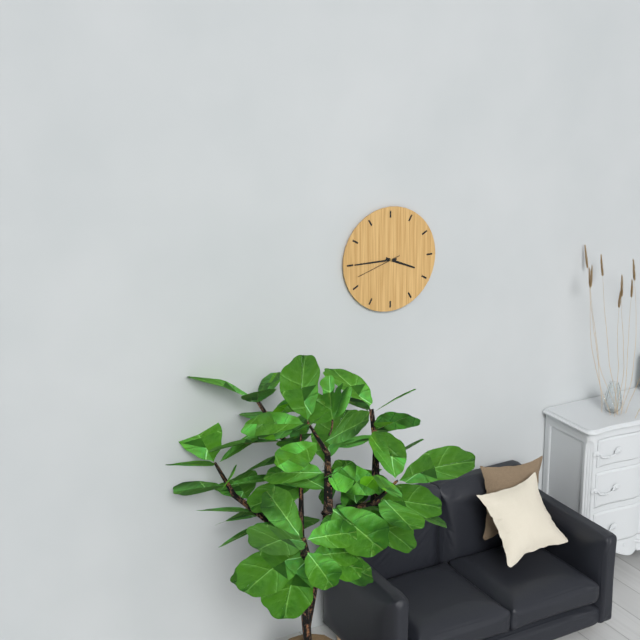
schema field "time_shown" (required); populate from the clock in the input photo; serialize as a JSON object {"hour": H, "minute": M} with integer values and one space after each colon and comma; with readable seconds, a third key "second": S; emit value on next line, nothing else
{"hour": 3, "minute": 45}
